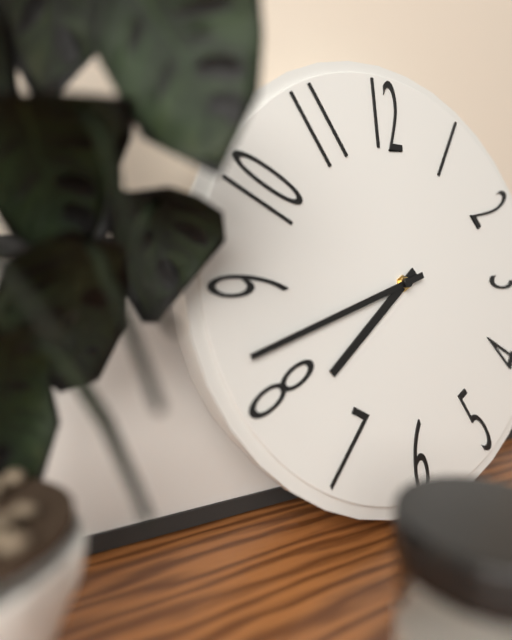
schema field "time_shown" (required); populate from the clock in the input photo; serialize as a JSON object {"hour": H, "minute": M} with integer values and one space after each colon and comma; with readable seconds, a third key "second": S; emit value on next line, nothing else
{"hour": 7, "minute": 42}
